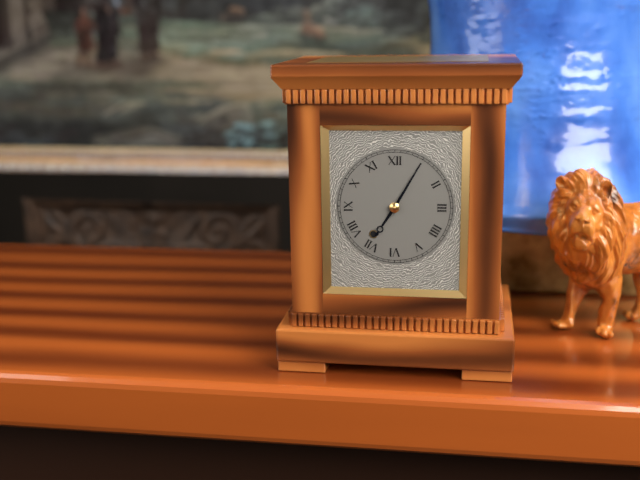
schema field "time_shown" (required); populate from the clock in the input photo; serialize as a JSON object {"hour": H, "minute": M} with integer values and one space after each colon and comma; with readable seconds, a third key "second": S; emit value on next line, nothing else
{"hour": 7, "minute": 5}
